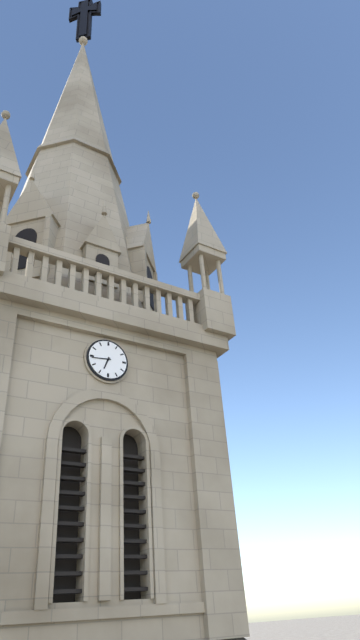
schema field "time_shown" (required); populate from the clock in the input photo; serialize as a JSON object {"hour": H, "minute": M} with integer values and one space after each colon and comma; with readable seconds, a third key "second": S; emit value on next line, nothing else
{"hour": 6, "minute": 44}
